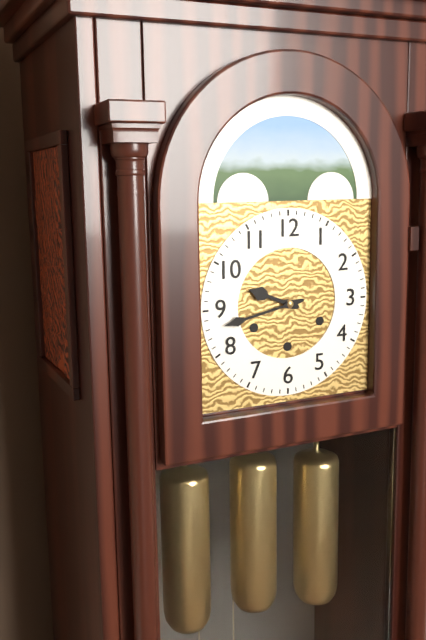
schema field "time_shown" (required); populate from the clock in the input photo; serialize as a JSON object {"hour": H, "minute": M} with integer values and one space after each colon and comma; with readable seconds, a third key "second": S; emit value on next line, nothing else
{"hour": 9, "minute": 43}
